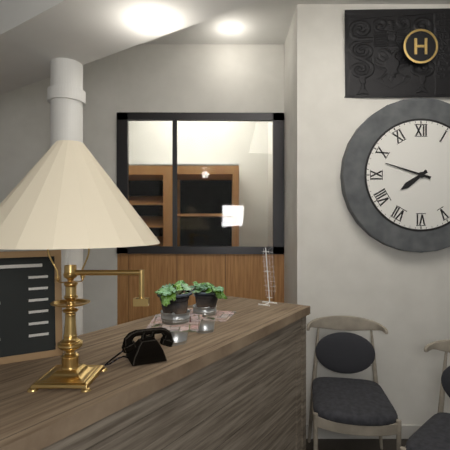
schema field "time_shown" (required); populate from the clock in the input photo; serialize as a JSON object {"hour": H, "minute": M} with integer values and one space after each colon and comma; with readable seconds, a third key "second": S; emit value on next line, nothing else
{"hour": 7, "minute": 48}
